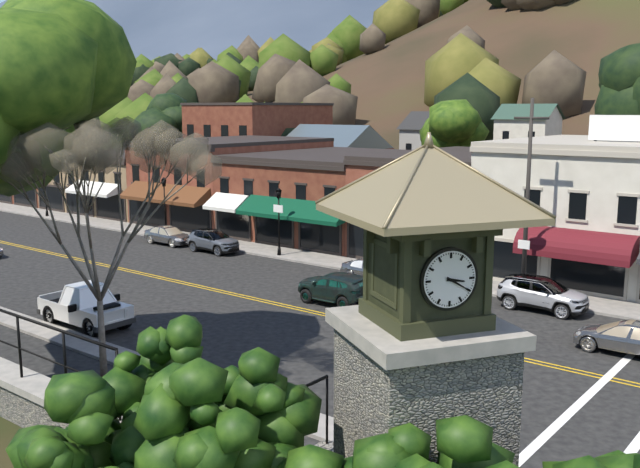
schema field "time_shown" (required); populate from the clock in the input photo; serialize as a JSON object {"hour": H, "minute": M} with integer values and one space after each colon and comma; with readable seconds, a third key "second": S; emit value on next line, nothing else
{"hour": 3, "minute": 20}
